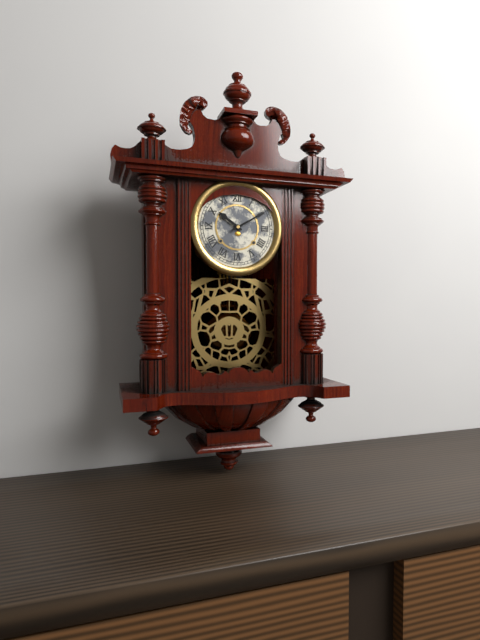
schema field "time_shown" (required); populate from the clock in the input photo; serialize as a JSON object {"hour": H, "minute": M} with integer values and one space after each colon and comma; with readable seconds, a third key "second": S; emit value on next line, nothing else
{"hour": 10, "minute": 10}
